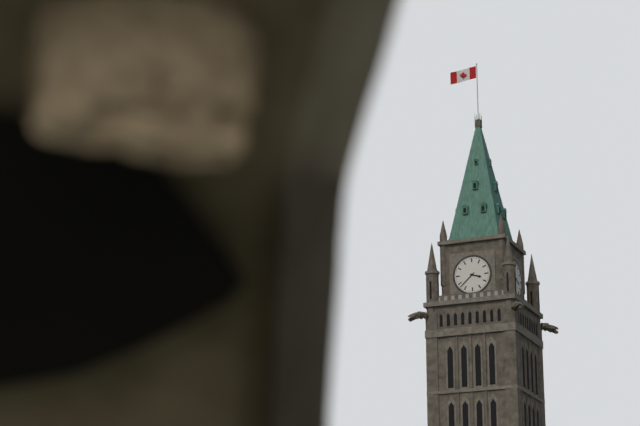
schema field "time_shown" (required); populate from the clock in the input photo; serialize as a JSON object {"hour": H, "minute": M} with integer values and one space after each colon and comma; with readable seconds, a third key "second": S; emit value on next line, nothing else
{"hour": 3, "minute": 38}
